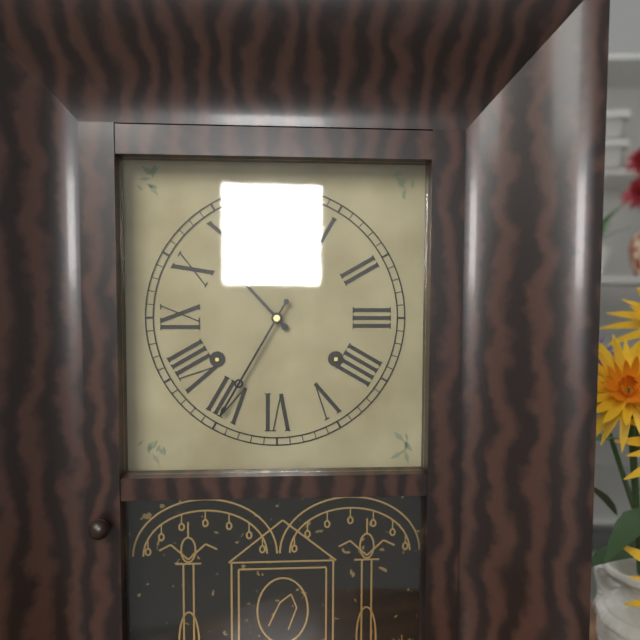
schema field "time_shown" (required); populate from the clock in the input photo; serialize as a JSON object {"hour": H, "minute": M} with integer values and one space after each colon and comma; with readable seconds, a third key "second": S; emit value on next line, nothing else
{"hour": 10, "minute": 35}
